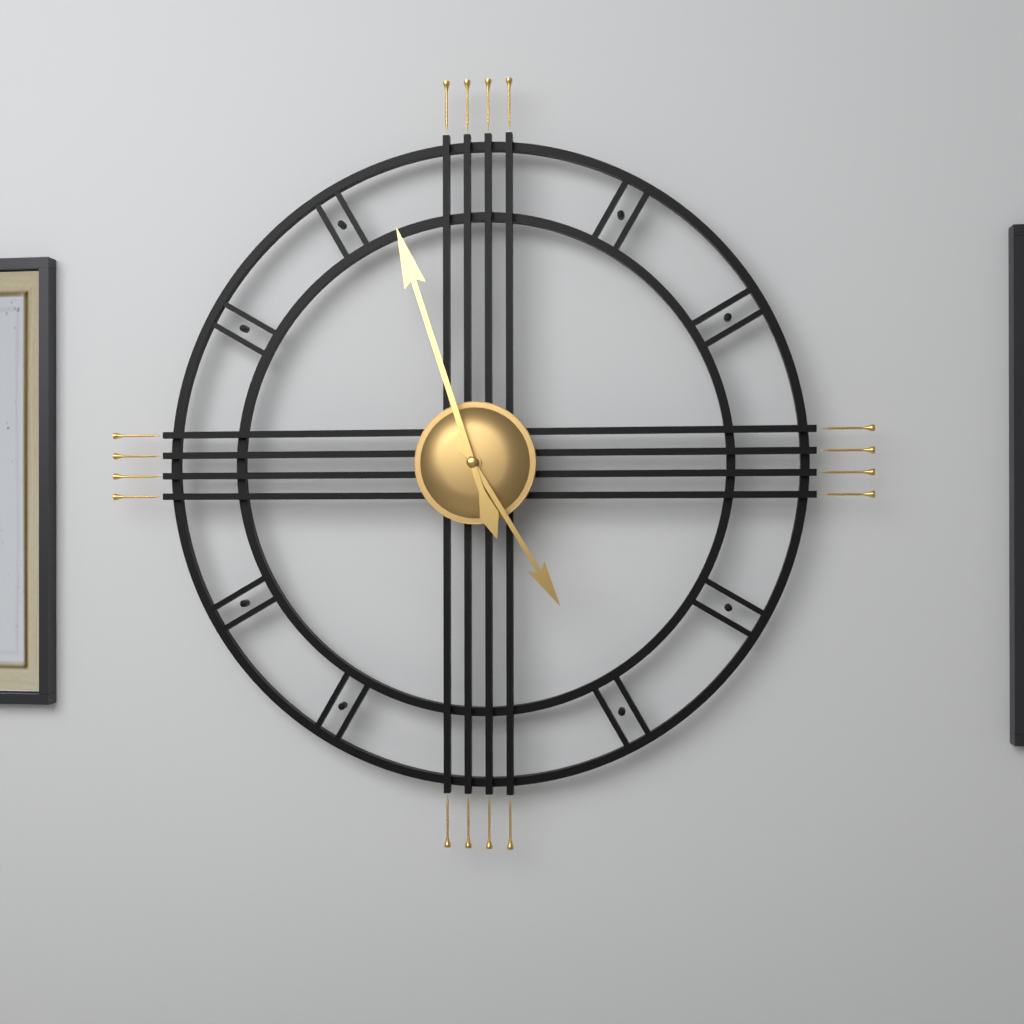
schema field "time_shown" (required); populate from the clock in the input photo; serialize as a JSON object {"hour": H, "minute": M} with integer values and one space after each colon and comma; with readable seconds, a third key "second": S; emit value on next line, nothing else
{"hour": 4, "minute": 57}
